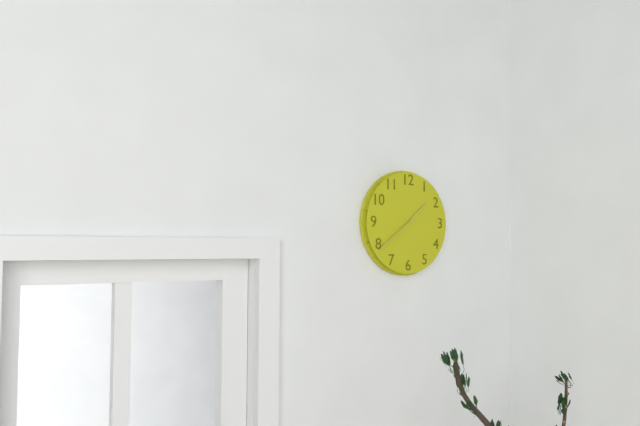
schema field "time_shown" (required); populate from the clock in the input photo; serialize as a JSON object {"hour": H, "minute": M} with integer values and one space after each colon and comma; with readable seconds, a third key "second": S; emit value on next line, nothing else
{"hour": 1, "minute": 39}
